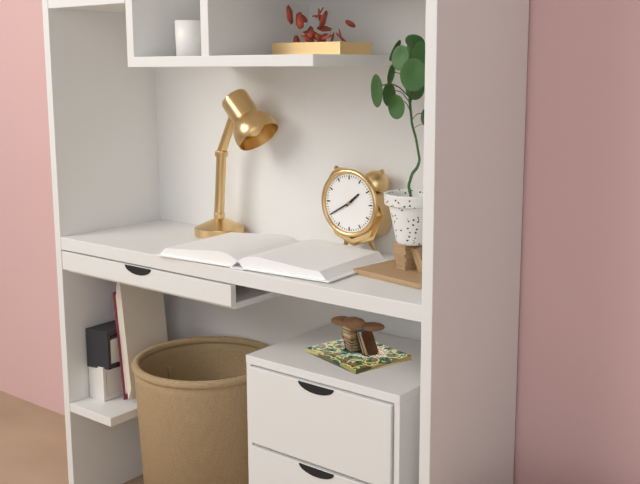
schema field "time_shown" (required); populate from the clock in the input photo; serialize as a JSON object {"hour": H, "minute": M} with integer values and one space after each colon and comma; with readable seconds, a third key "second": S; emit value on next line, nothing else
{"hour": 1, "minute": 40}
